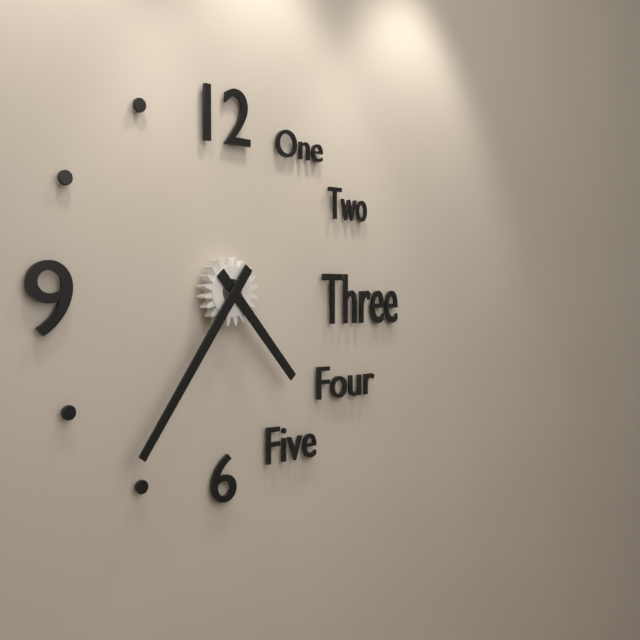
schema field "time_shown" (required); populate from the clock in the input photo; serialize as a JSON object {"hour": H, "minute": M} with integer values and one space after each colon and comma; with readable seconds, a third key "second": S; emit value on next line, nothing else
{"hour": 4, "minute": 36}
